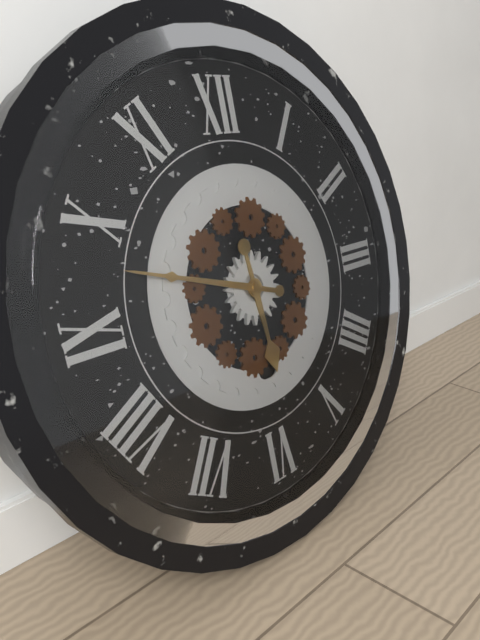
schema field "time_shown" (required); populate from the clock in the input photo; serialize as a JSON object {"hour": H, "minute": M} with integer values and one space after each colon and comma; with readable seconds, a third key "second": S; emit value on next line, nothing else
{"hour": 5, "minute": 48}
